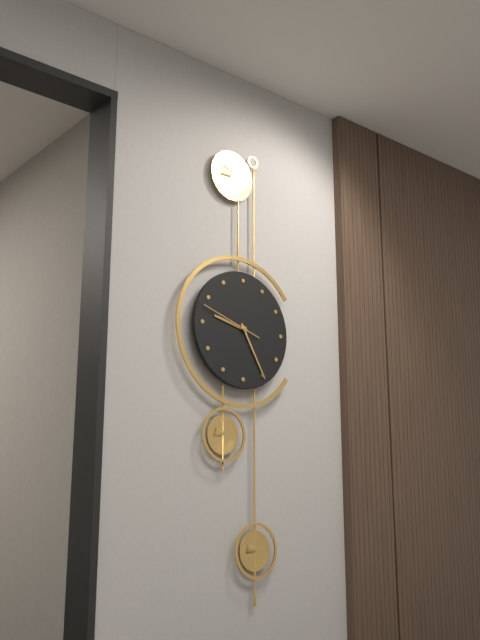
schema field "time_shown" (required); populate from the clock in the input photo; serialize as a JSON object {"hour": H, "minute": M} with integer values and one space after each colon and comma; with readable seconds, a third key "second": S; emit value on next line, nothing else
{"hour": 9, "minute": 25, "second": 48}
